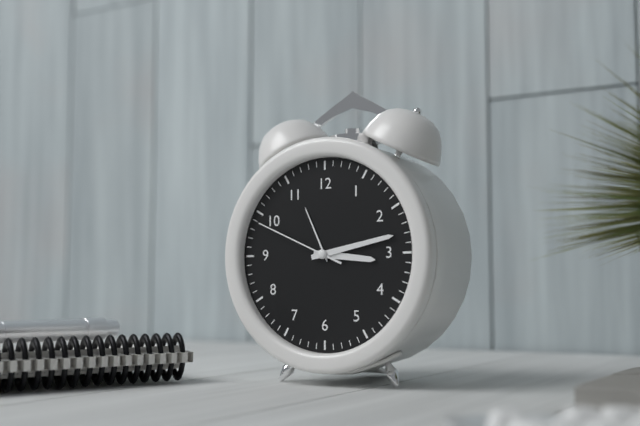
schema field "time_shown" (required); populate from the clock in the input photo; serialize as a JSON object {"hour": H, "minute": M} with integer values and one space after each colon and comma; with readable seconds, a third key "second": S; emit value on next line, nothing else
{"hour": 3, "minute": 13, "second": 49}
